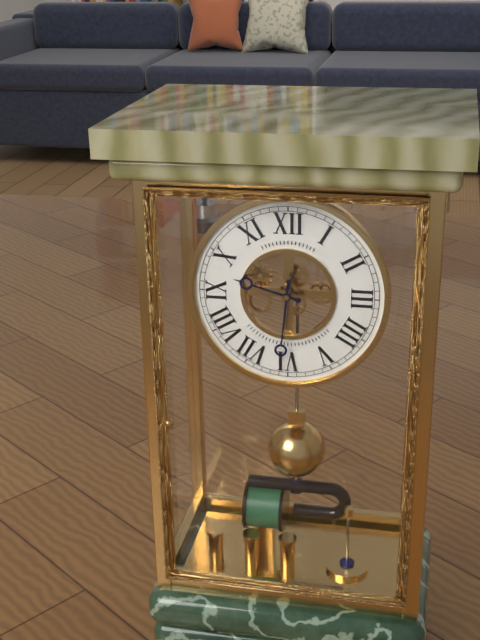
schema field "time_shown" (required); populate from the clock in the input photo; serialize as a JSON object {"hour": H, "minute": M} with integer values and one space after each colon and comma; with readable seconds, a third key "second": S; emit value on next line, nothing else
{"hour": 9, "minute": 31}
